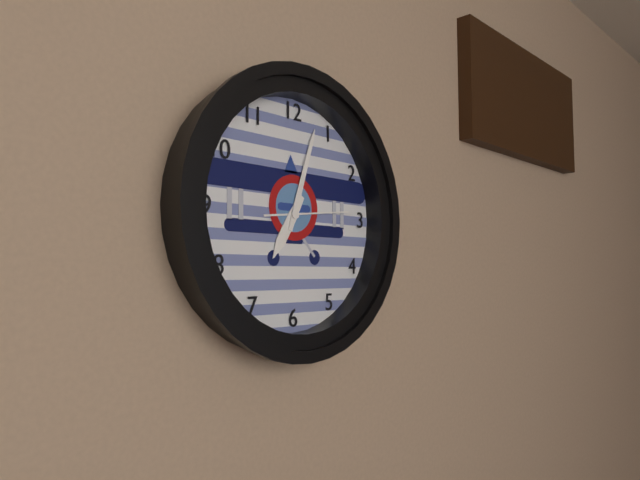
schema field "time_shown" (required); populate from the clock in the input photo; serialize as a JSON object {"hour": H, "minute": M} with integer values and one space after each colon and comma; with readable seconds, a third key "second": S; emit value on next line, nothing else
{"hour": 7, "minute": 3, "second": 14}
